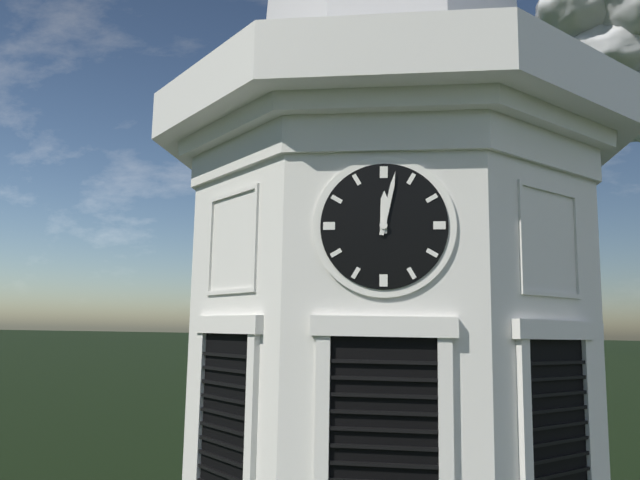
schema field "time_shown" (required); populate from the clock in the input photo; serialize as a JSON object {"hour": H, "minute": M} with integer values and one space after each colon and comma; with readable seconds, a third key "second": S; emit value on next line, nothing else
{"hour": 12, "minute": 2}
